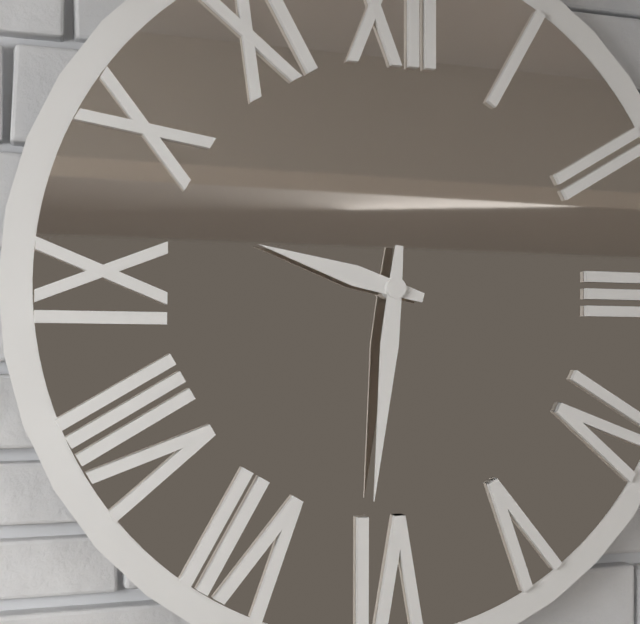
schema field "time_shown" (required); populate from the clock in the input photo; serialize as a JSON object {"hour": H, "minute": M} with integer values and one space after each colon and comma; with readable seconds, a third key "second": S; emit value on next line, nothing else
{"hour": 9, "minute": 31}
